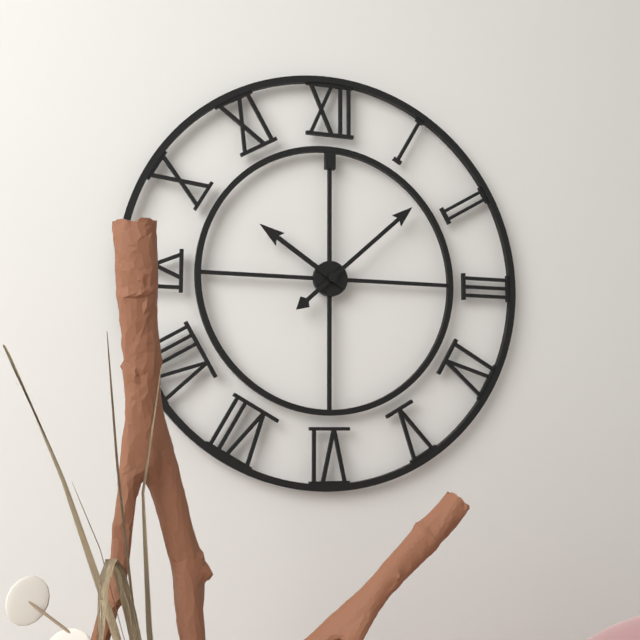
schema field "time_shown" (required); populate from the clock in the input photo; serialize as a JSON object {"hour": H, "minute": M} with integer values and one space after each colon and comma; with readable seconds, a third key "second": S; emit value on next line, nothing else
{"hour": 10, "minute": 8}
